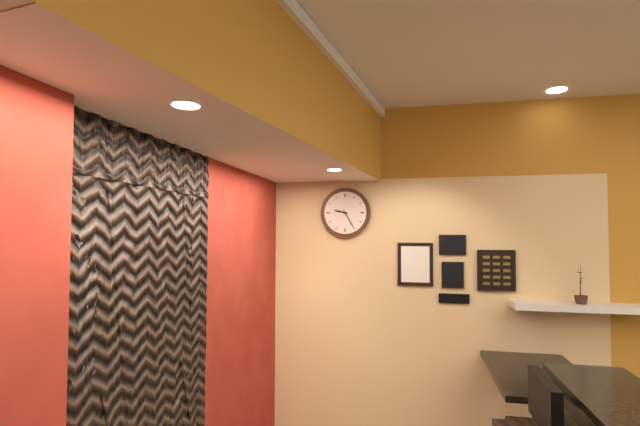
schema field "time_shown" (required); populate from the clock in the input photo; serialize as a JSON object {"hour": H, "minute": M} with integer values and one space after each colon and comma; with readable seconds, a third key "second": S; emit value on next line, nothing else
{"hour": 9, "minute": 25}
